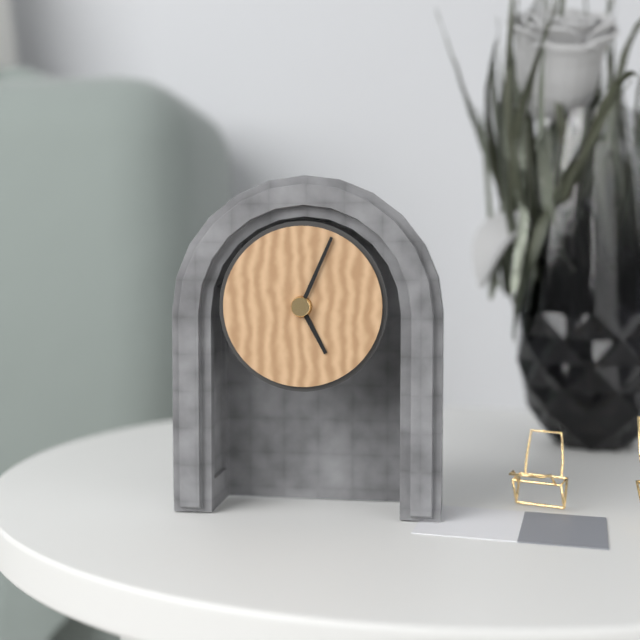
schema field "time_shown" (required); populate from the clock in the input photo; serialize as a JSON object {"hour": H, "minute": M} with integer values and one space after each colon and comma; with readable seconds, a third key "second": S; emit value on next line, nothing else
{"hour": 5, "minute": 4}
